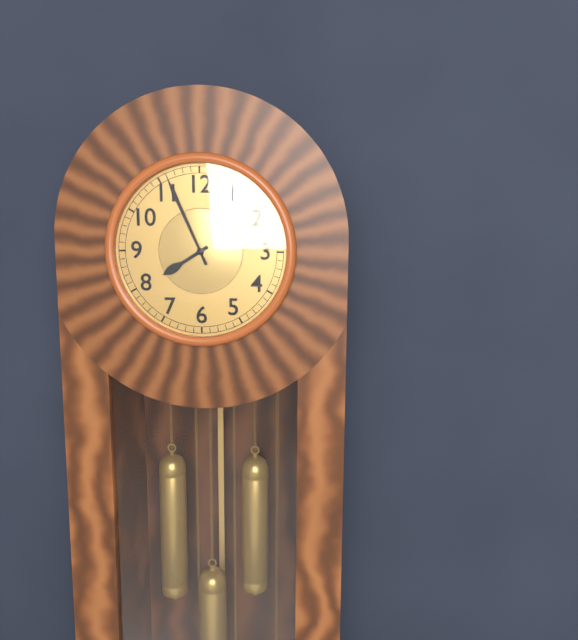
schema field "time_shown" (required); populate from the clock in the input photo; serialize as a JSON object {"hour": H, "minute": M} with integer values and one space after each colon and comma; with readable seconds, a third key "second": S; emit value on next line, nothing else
{"hour": 7, "minute": 56}
